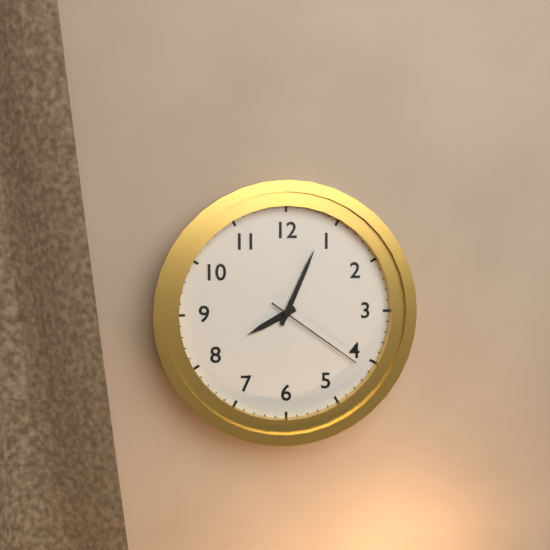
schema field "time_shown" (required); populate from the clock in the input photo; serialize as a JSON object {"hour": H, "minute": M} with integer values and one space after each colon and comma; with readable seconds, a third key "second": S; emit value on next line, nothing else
{"hour": 8, "minute": 4, "second": 21}
